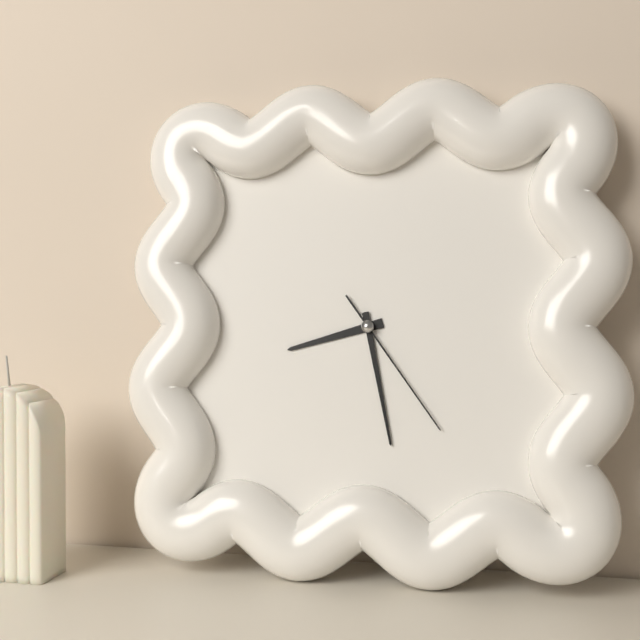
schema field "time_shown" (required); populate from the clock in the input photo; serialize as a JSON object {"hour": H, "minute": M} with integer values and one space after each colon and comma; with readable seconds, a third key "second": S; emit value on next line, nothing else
{"hour": 8, "minute": 28, "second": 24}
